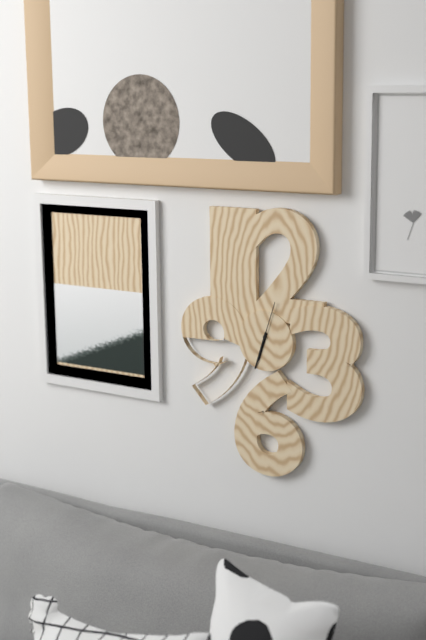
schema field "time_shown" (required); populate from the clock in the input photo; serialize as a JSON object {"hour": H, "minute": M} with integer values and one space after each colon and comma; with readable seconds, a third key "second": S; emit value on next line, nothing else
{"hour": 6, "minute": 33}
